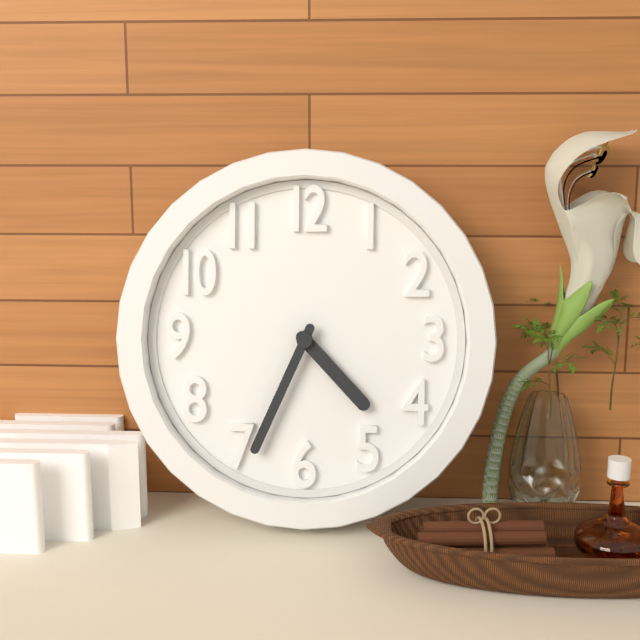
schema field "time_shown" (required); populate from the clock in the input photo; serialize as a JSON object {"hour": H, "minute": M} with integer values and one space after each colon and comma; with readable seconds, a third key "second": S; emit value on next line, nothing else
{"hour": 4, "minute": 34}
